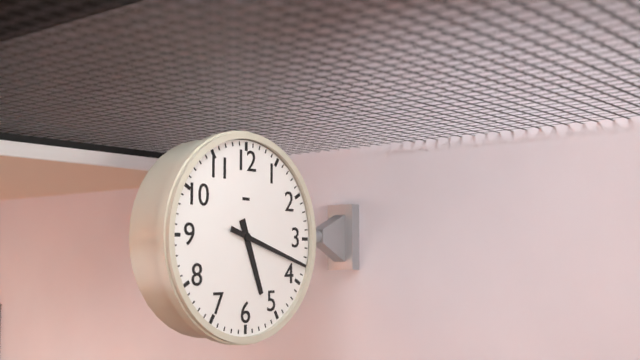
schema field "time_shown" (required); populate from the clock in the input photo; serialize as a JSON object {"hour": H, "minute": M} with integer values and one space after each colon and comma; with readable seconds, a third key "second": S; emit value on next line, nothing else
{"hour": 5, "minute": 18}
